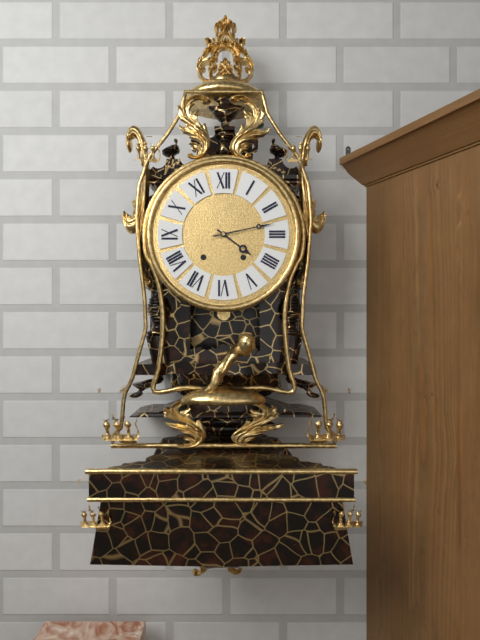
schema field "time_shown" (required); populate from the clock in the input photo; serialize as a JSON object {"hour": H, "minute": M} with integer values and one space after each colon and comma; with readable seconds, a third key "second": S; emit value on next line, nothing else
{"hour": 4, "minute": 13}
